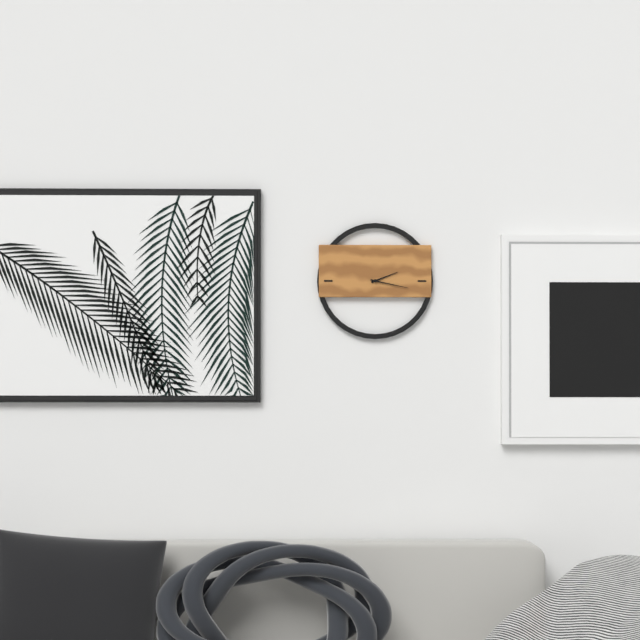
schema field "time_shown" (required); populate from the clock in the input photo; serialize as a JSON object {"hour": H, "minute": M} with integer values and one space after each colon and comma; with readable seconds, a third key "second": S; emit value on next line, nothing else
{"hour": 2, "minute": 17}
